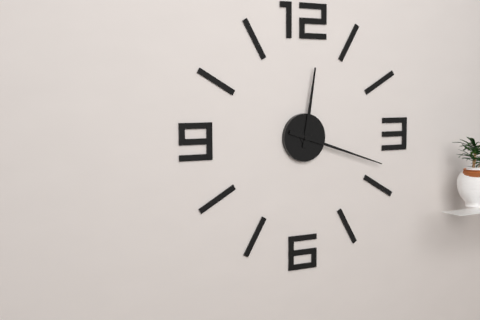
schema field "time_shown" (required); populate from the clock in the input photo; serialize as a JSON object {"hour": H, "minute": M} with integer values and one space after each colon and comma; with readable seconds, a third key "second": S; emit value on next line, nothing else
{"hour": 12, "minute": 18}
